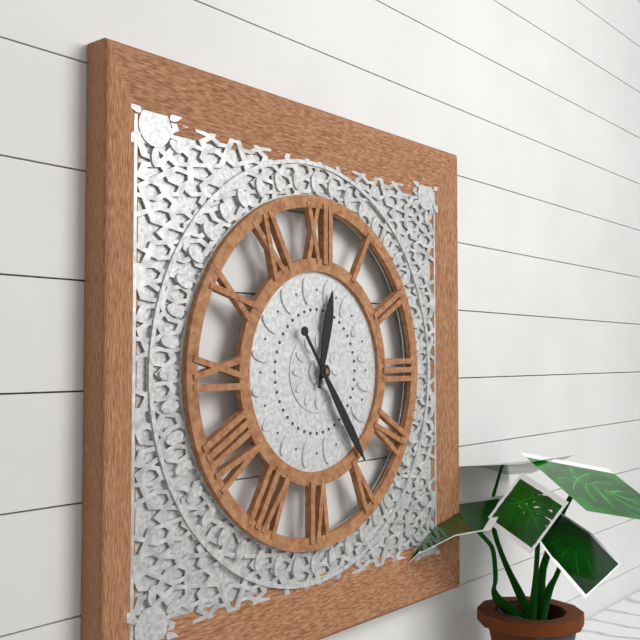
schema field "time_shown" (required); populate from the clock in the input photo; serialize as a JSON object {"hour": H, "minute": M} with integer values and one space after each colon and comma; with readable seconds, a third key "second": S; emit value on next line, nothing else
{"hour": 12, "minute": 24}
